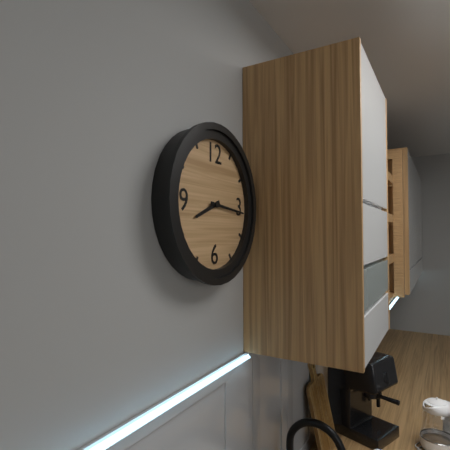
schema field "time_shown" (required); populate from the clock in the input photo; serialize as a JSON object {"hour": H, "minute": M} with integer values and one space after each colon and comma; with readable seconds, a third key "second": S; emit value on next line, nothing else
{"hour": 8, "minute": 16}
